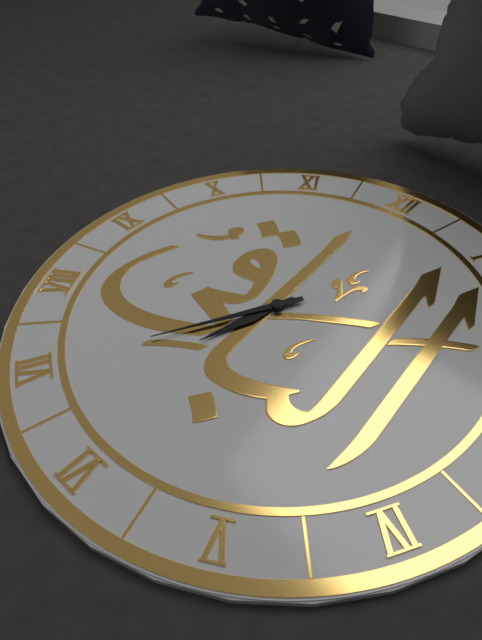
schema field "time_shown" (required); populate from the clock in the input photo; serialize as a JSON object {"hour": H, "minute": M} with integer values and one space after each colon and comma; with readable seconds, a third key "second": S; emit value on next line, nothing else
{"hour": 6, "minute": 35}
